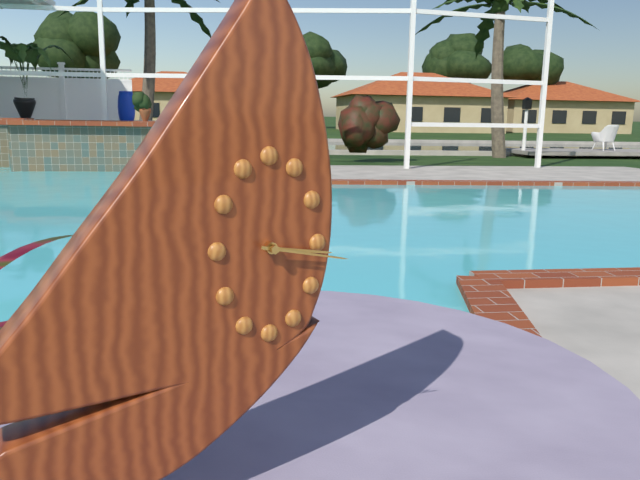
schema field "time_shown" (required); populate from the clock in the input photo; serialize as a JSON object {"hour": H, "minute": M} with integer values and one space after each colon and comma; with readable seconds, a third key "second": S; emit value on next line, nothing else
{"hour": 3, "minute": 17}
